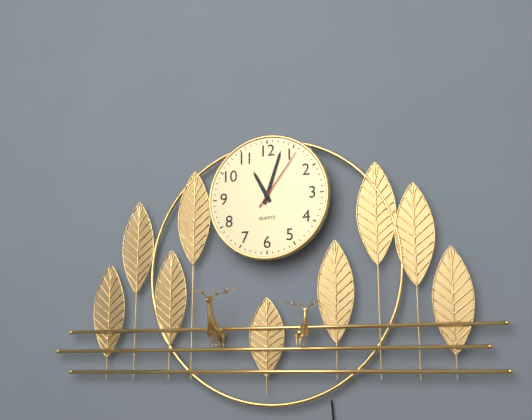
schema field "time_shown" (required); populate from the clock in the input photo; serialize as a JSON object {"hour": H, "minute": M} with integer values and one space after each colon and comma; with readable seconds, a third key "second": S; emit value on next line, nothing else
{"hour": 11, "minute": 3, "second": 6}
